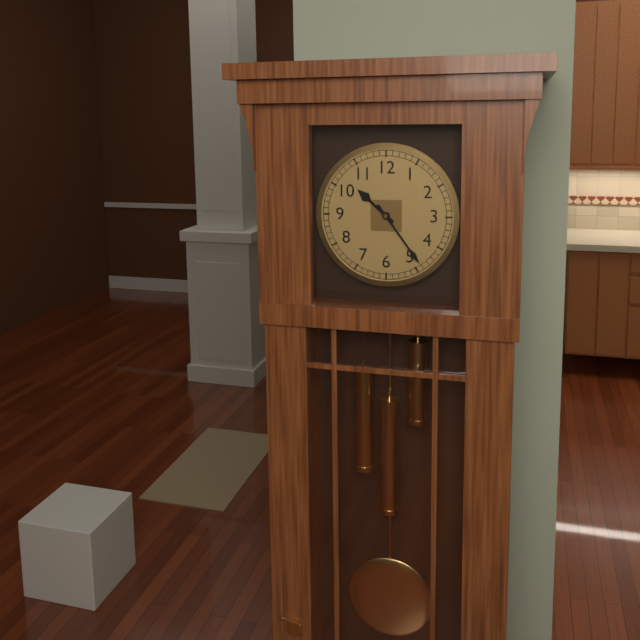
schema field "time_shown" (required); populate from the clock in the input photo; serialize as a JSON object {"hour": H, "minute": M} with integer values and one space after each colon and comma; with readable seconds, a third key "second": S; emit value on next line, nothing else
{"hour": 10, "minute": 24}
